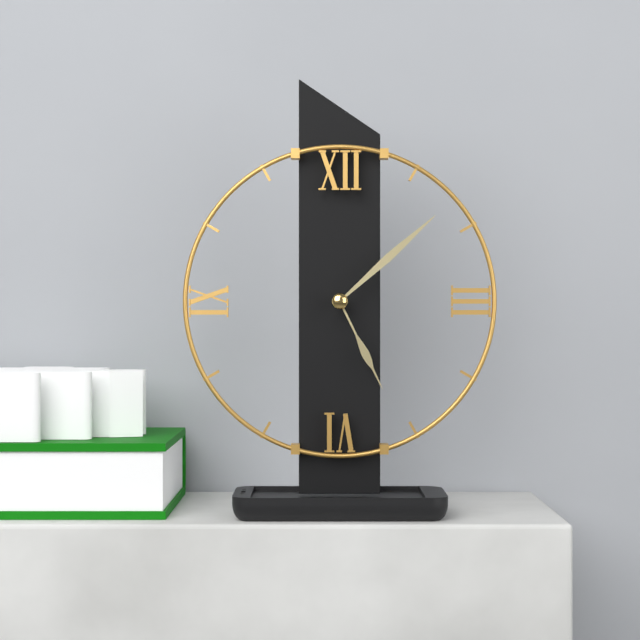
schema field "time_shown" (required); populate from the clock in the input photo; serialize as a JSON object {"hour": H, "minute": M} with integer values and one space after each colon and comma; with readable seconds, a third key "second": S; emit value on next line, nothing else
{"hour": 5, "minute": 8}
